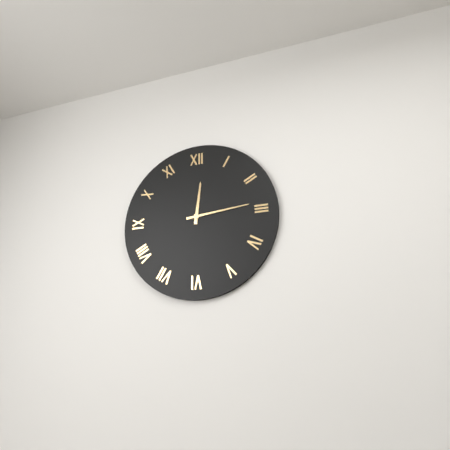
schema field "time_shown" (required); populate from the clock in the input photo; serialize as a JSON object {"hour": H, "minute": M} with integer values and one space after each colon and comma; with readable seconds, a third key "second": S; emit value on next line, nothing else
{"hour": 12, "minute": 14}
